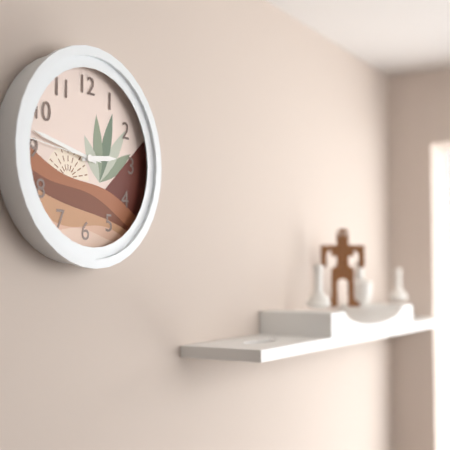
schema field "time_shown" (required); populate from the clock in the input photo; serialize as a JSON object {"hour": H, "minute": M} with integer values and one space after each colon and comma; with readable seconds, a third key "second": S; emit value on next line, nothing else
{"hour": 2, "minute": 47, "second": 46}
